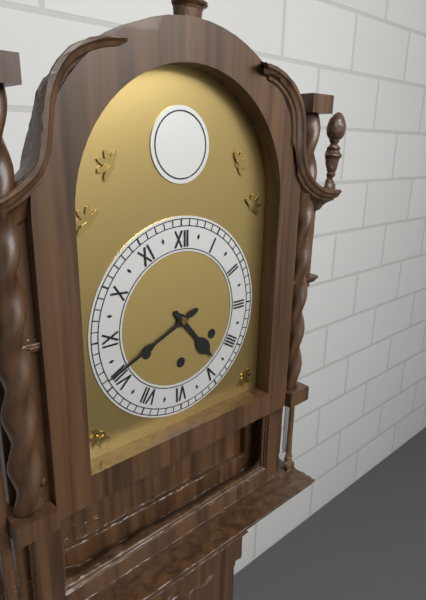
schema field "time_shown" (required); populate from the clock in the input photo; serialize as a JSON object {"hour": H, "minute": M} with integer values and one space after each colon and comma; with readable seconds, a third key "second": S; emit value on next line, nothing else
{"hour": 4, "minute": 41}
